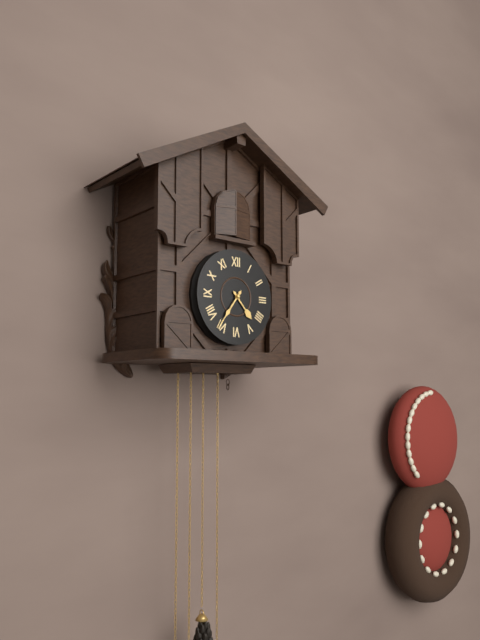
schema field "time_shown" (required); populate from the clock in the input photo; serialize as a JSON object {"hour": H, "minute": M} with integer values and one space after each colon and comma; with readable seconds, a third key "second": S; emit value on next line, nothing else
{"hour": 4, "minute": 36}
